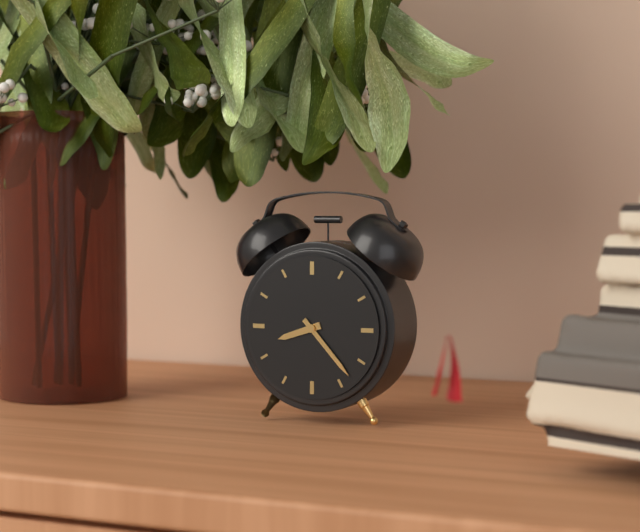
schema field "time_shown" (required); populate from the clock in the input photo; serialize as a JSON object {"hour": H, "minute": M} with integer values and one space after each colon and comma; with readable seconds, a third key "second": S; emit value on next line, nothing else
{"hour": 8, "minute": 23}
